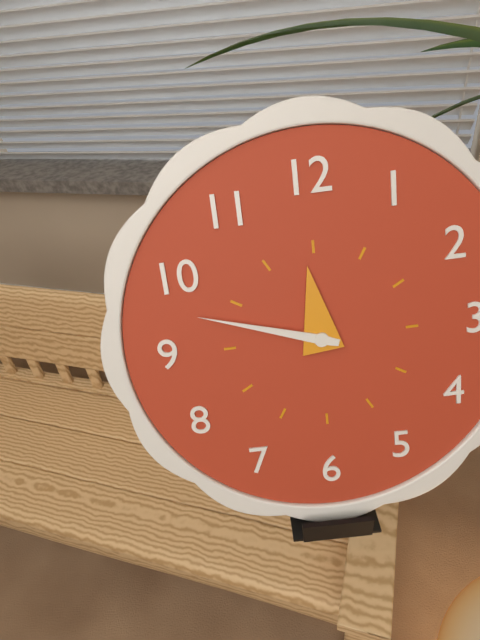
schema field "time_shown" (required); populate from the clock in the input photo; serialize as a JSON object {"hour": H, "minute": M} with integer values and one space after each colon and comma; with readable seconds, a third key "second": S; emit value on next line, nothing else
{"hour": 11, "minute": 48}
